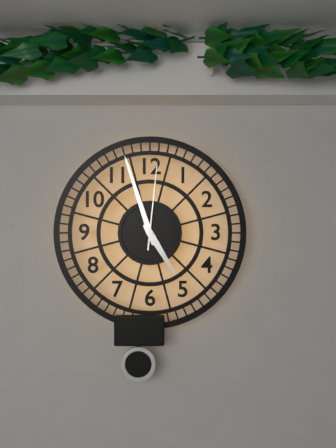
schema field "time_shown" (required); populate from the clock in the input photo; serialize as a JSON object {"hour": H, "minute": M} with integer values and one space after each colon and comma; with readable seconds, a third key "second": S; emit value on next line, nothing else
{"hour": 4, "minute": 57, "second": 1}
